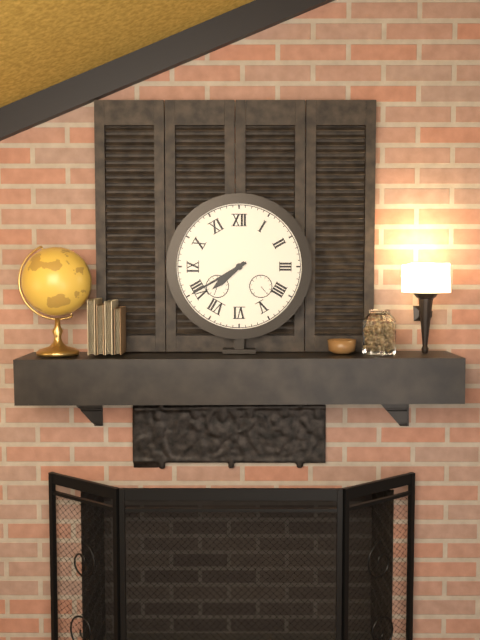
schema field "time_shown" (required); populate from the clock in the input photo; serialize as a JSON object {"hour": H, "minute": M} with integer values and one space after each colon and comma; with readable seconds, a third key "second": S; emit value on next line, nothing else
{"hour": 7, "minute": 40}
